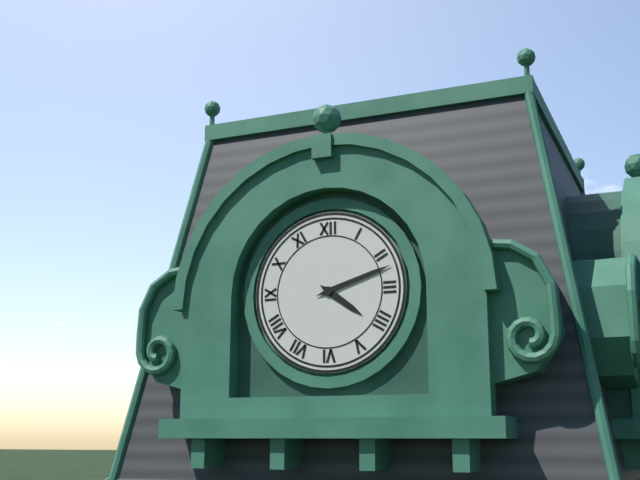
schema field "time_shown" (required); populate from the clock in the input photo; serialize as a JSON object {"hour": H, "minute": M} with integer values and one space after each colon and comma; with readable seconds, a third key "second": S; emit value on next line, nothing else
{"hour": 4, "minute": 12}
